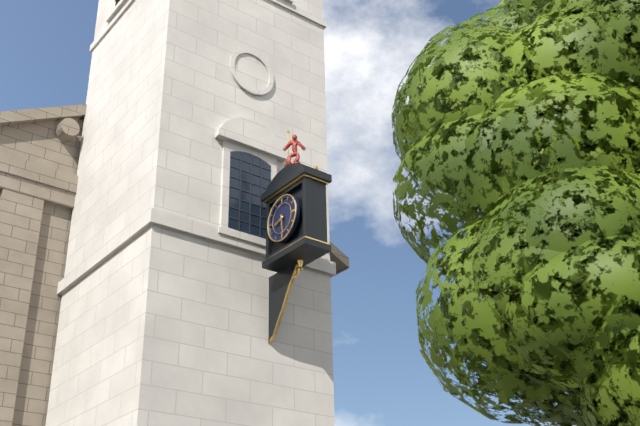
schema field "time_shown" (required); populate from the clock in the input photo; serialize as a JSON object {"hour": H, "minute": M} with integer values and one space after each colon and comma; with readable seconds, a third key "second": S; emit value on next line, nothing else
{"hour": 8, "minute": 29}
